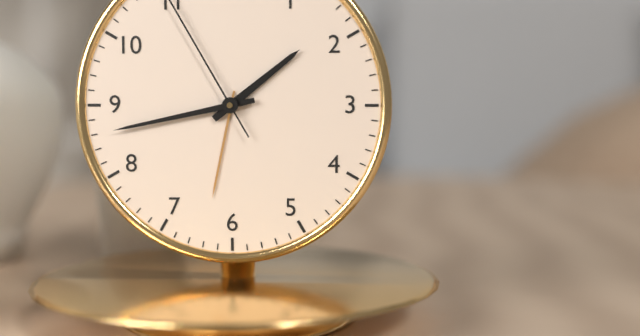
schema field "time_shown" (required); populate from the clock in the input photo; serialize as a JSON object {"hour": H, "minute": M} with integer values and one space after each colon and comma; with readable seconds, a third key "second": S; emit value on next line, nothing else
{"hour": 1, "minute": 43}
